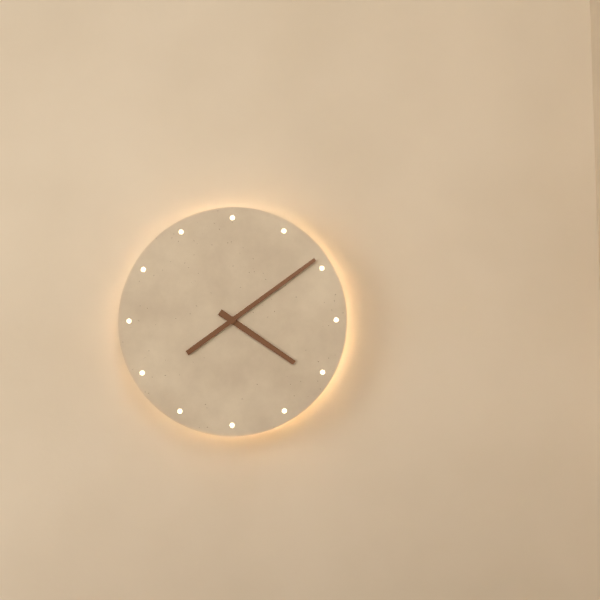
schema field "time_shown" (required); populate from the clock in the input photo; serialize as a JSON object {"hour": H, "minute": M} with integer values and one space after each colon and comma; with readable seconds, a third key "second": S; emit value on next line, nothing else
{"hour": 4, "minute": 9}
